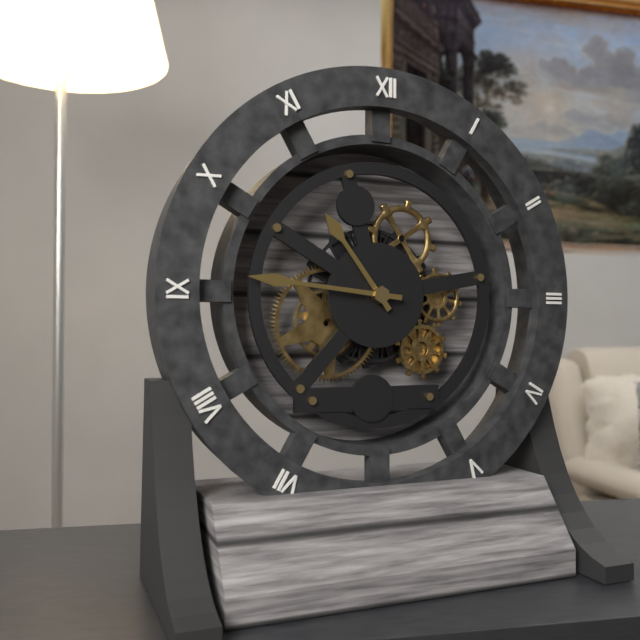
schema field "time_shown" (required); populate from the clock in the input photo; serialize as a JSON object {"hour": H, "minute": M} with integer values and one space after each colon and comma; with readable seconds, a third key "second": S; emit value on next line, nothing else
{"hour": 10, "minute": 46}
